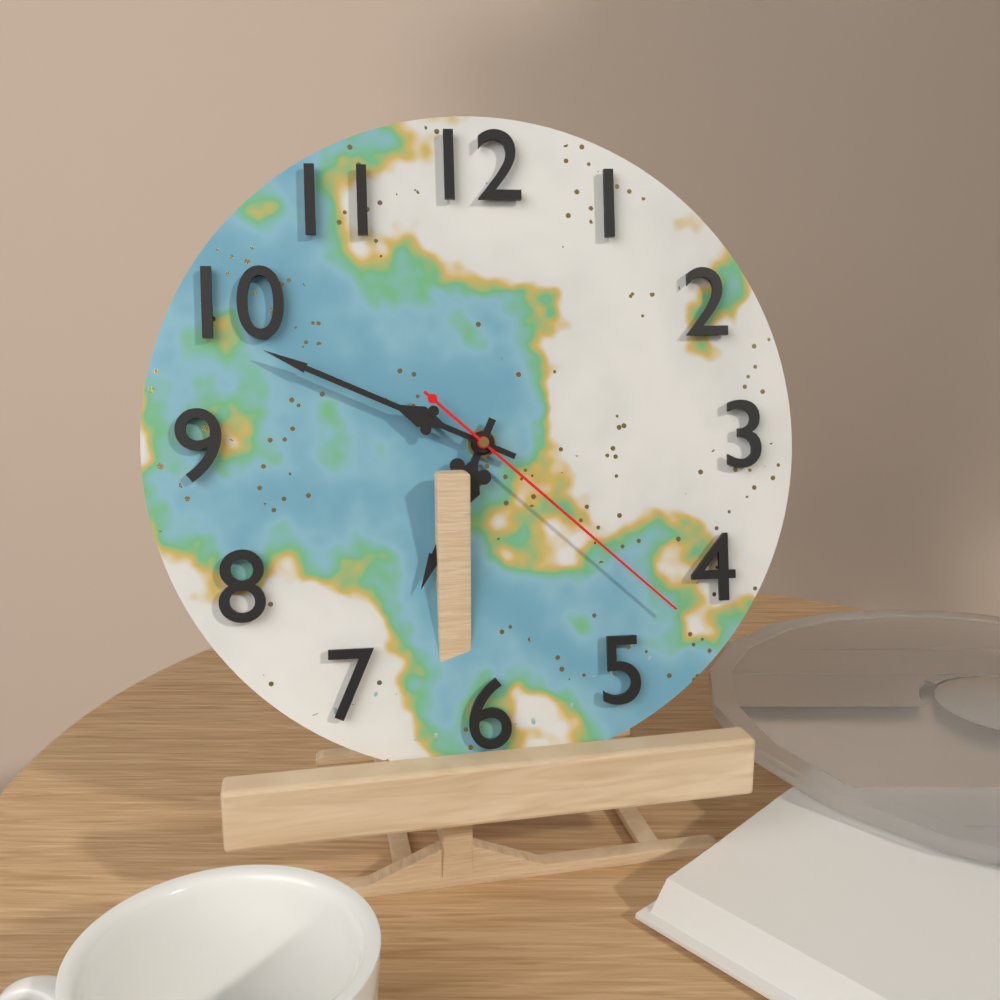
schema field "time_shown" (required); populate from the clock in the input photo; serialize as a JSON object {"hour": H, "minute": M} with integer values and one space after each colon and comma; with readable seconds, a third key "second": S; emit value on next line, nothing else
{"hour": 6, "minute": 49, "second": 22}
